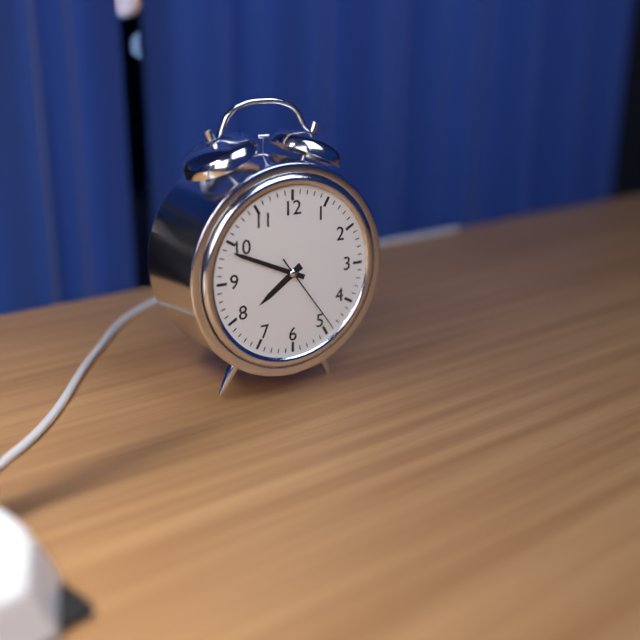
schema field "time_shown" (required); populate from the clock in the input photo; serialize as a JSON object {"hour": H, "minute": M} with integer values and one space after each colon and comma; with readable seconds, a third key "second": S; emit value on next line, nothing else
{"hour": 7, "minute": 49, "second": 24}
